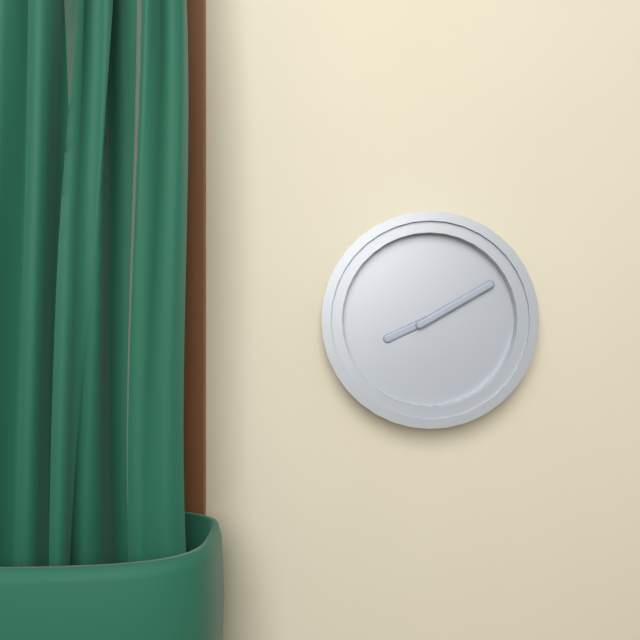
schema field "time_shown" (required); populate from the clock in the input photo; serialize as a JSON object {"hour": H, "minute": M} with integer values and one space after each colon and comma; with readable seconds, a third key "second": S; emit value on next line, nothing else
{"hour": 8, "minute": 10}
